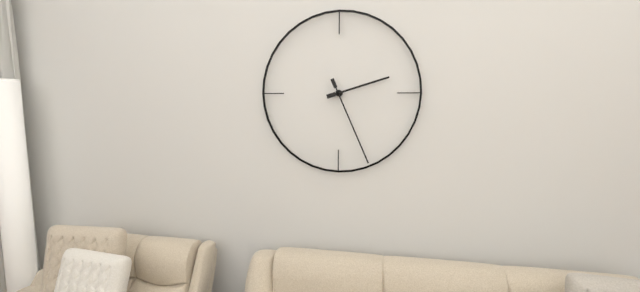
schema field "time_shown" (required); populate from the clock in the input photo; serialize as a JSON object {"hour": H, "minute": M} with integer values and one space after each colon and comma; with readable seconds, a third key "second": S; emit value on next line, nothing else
{"hour": 2, "minute": 26}
